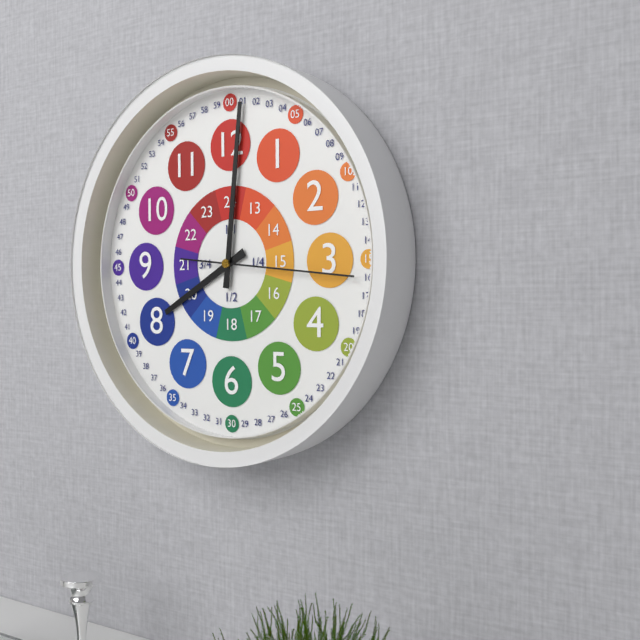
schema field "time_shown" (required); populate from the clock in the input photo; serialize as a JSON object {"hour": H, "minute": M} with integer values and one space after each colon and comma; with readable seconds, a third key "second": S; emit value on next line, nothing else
{"hour": 8, "minute": 1, "second": 16}
